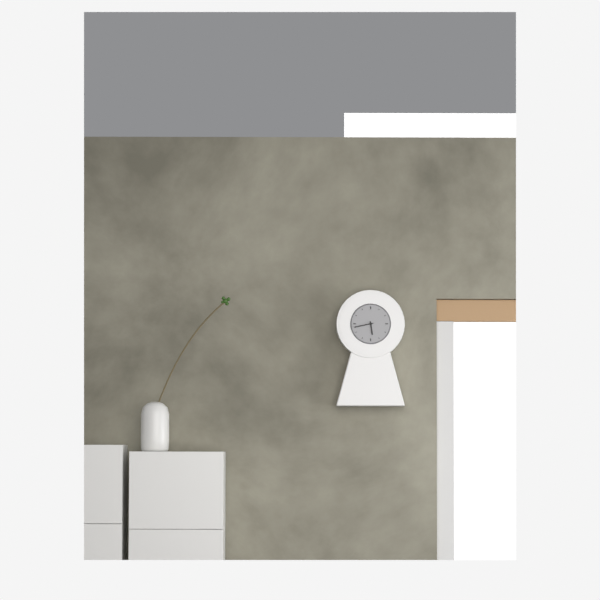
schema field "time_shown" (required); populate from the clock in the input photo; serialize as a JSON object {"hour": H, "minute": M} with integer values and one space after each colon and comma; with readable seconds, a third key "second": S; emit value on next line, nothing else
{"hour": 5, "minute": 43}
